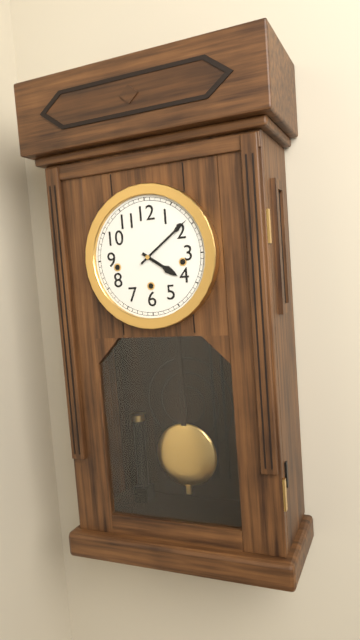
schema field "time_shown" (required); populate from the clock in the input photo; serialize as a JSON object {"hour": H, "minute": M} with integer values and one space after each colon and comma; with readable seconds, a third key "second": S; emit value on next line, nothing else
{"hour": 4, "minute": 9}
